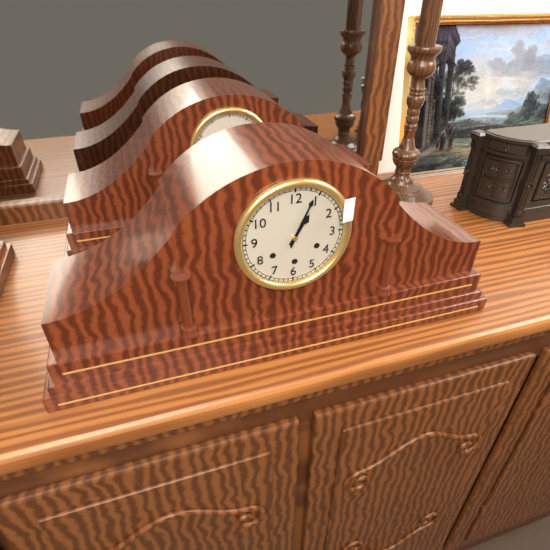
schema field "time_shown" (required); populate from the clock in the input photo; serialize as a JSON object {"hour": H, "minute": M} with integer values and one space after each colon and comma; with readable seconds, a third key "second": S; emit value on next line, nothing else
{"hour": 1, "minute": 4}
